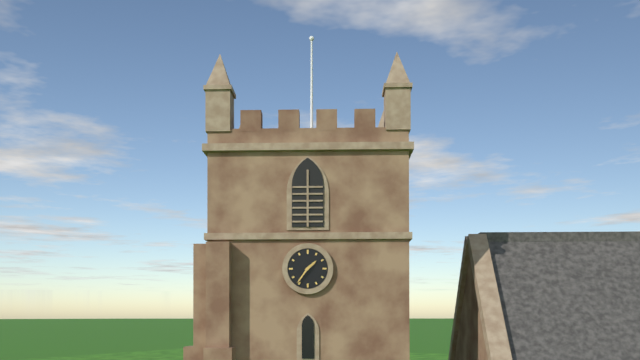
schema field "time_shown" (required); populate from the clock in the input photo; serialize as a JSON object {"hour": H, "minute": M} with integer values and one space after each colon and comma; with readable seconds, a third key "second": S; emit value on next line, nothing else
{"hour": 1, "minute": 36}
